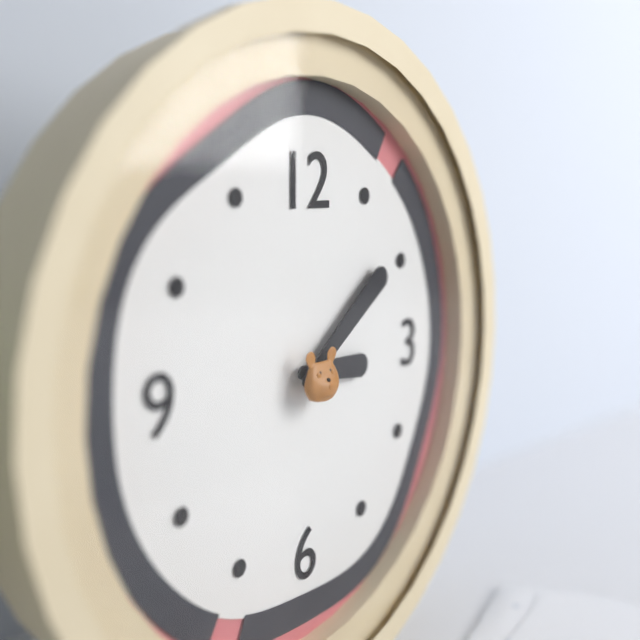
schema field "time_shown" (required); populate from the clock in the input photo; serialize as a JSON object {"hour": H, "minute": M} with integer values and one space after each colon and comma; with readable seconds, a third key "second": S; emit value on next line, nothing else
{"hour": 3, "minute": 9}
